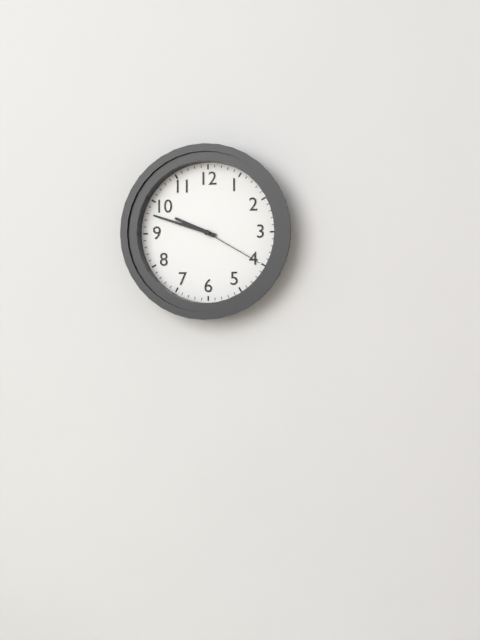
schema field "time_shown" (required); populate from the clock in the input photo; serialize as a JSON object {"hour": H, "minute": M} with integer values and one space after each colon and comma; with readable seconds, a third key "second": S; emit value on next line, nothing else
{"hour": 9, "minute": 48, "second": 20}
